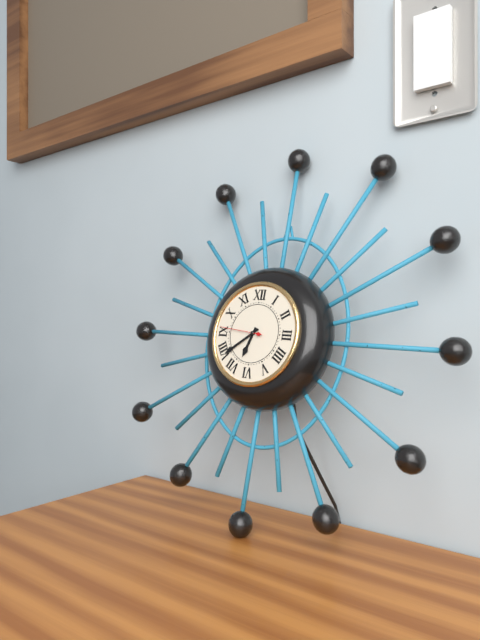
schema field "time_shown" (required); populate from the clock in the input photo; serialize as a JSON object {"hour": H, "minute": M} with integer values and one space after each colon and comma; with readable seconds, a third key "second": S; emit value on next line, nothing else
{"hour": 6, "minute": 39}
